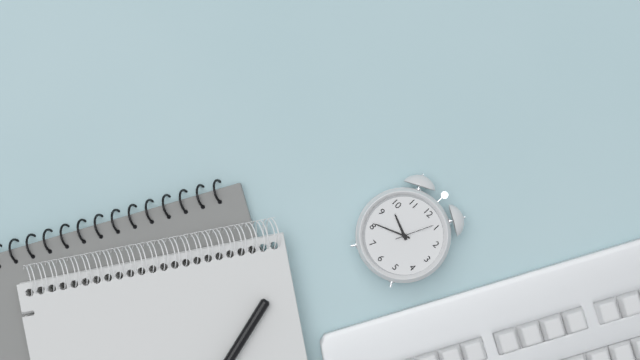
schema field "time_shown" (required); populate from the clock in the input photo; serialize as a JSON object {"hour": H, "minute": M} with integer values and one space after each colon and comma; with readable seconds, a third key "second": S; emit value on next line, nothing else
{"hour": 9, "minute": 41}
